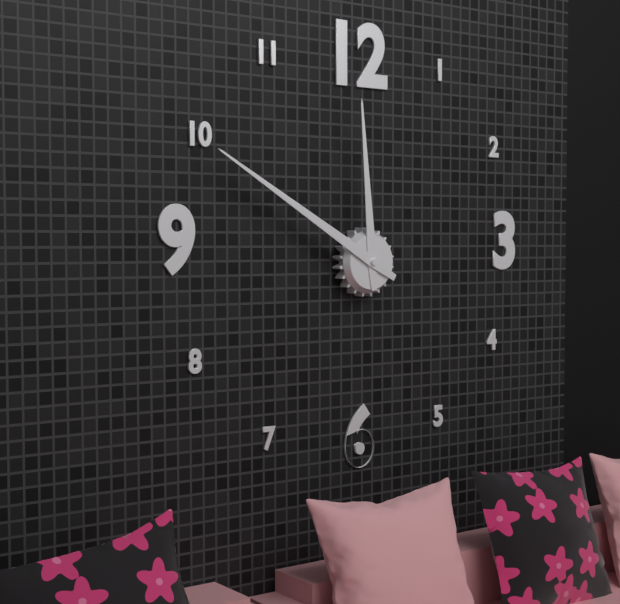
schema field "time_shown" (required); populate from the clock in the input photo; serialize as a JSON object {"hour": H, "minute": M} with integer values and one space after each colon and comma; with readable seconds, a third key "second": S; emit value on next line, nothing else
{"hour": 11, "minute": 50}
